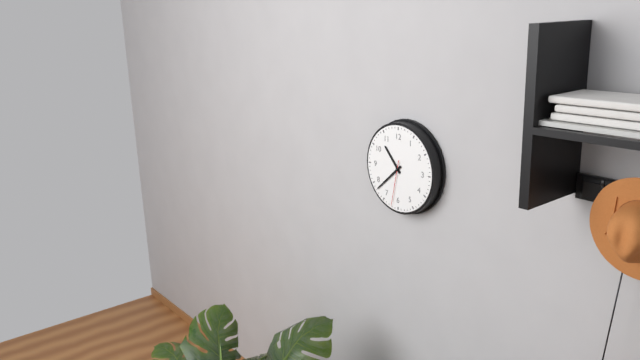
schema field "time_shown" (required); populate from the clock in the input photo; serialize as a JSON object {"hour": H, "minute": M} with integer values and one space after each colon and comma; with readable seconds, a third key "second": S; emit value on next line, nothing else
{"hour": 10, "minute": 38}
